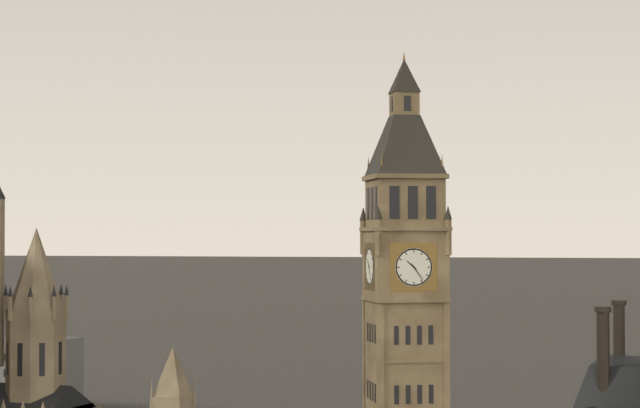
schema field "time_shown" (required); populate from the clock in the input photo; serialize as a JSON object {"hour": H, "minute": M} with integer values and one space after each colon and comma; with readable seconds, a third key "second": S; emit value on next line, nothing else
{"hour": 10, "minute": 24}
